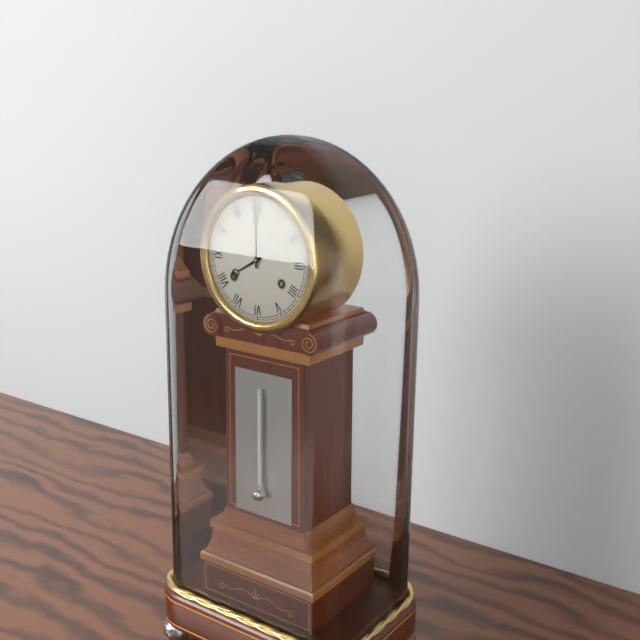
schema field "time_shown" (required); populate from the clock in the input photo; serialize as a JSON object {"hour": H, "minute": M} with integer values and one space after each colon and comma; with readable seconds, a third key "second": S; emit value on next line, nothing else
{"hour": 8, "minute": 0}
